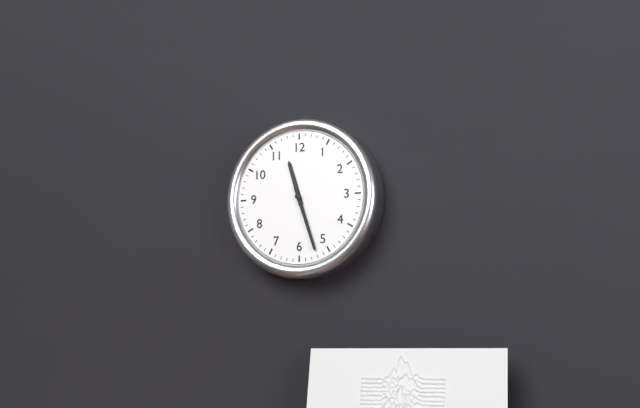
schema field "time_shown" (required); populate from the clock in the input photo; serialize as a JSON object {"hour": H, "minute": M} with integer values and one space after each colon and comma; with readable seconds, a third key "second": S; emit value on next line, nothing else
{"hour": 11, "minute": 27}
